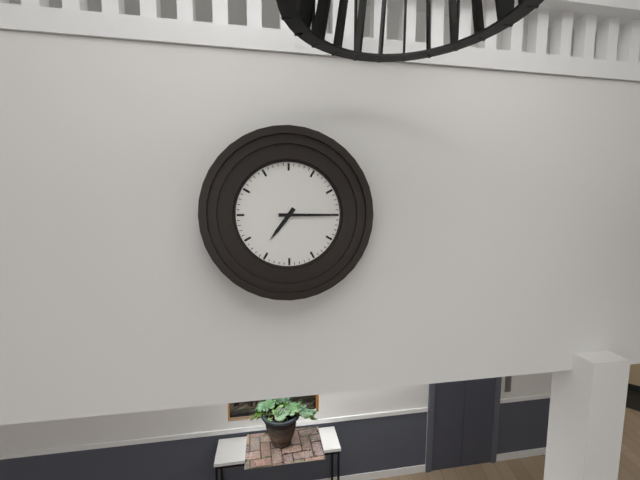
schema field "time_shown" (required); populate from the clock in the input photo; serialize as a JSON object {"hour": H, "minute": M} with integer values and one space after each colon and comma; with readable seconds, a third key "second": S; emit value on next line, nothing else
{"hour": 7, "minute": 15}
